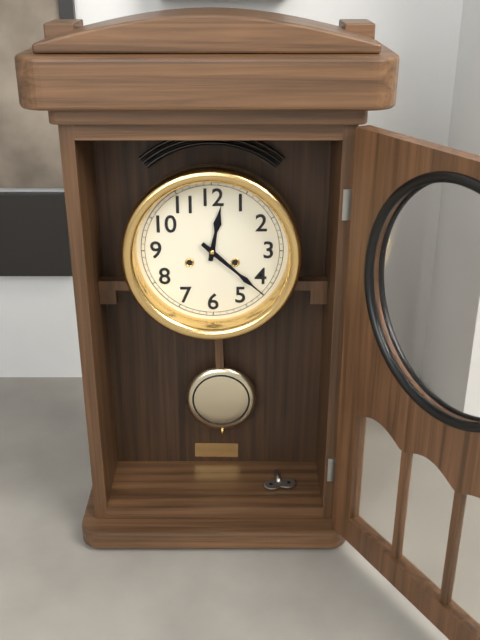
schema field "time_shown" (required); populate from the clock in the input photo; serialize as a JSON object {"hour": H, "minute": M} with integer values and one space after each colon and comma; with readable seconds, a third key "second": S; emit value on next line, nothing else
{"hour": 12, "minute": 22}
